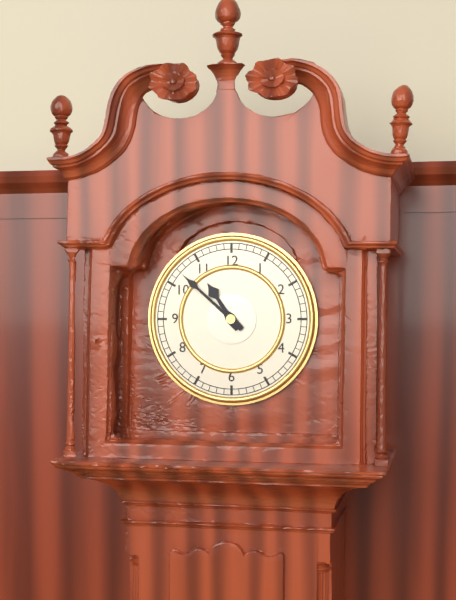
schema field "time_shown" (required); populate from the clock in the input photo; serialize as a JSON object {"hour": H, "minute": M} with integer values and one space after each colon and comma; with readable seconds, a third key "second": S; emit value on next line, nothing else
{"hour": 10, "minute": 52}
